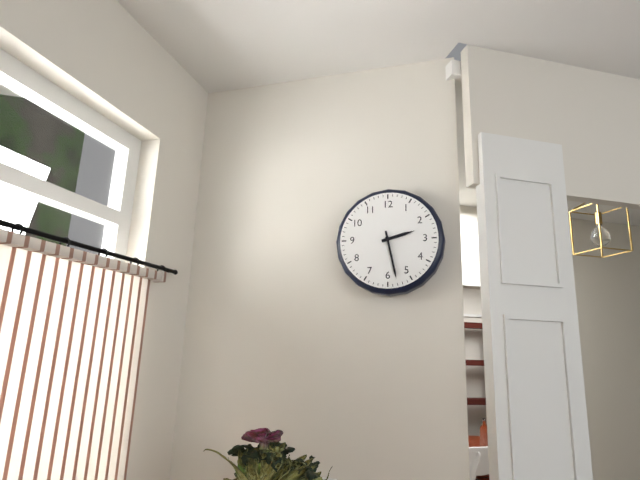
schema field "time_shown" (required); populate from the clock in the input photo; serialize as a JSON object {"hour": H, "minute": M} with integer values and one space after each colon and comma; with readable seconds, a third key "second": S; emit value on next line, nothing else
{"hour": 2, "minute": 28}
